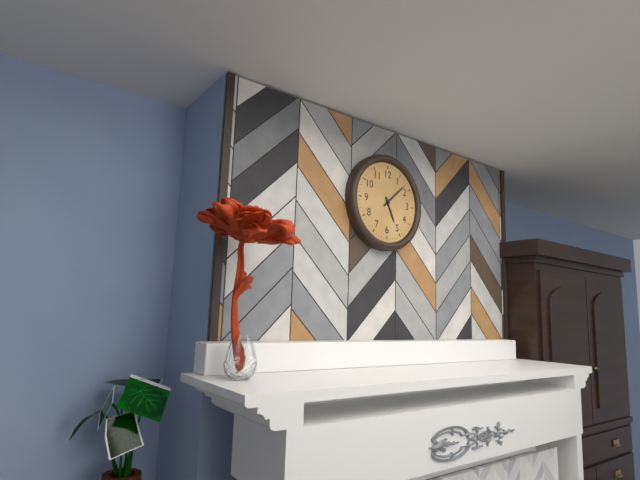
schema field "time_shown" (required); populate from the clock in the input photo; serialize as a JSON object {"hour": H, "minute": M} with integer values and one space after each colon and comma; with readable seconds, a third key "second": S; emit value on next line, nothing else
{"hour": 5, "minute": 8}
